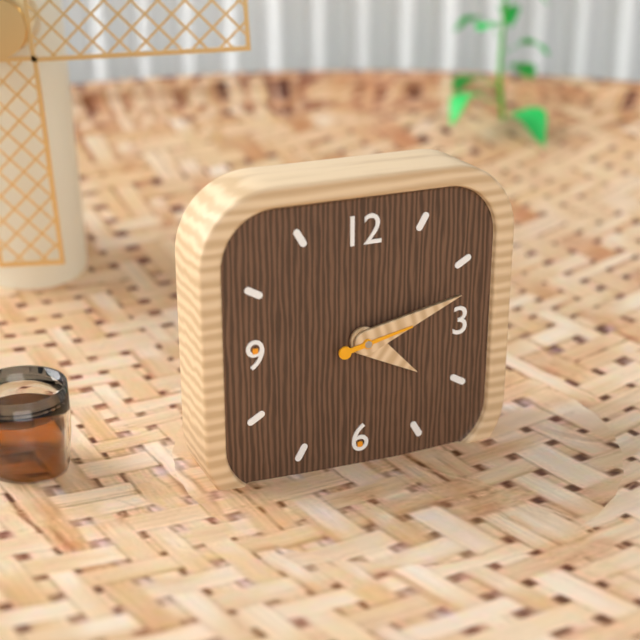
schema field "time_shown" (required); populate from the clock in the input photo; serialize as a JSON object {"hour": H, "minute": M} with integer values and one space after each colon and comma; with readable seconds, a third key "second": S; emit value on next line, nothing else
{"hour": 4, "minute": 12, "second": 13}
